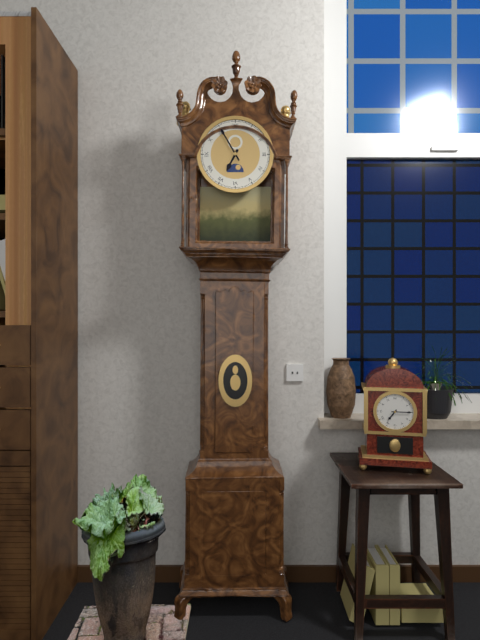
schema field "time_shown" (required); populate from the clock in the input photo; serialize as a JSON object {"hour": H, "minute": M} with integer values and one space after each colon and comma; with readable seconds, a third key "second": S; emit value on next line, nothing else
{"hour": 6, "minute": 55}
